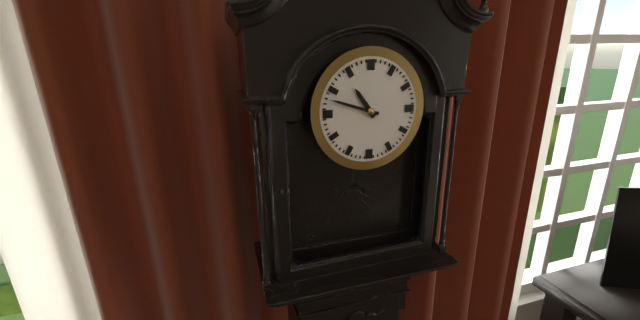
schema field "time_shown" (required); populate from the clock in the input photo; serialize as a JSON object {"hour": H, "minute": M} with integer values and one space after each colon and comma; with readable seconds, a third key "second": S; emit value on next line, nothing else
{"hour": 10, "minute": 48}
